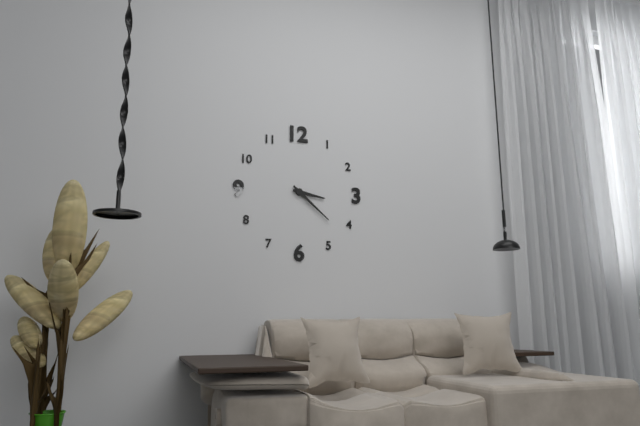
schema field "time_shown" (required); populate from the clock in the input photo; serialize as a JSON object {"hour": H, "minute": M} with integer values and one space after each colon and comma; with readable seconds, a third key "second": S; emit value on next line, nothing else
{"hour": 3, "minute": 22}
